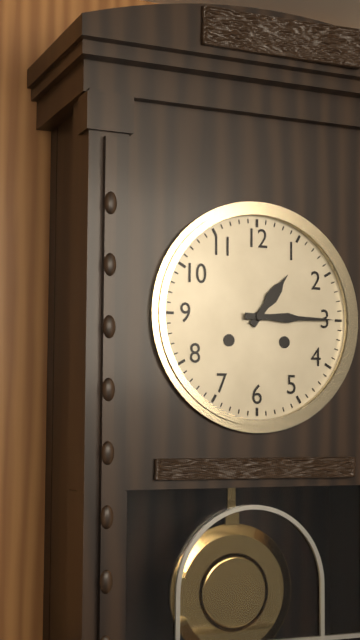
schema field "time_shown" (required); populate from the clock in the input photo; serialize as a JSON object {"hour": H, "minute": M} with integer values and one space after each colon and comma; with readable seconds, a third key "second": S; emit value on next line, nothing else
{"hour": 1, "minute": 15}
